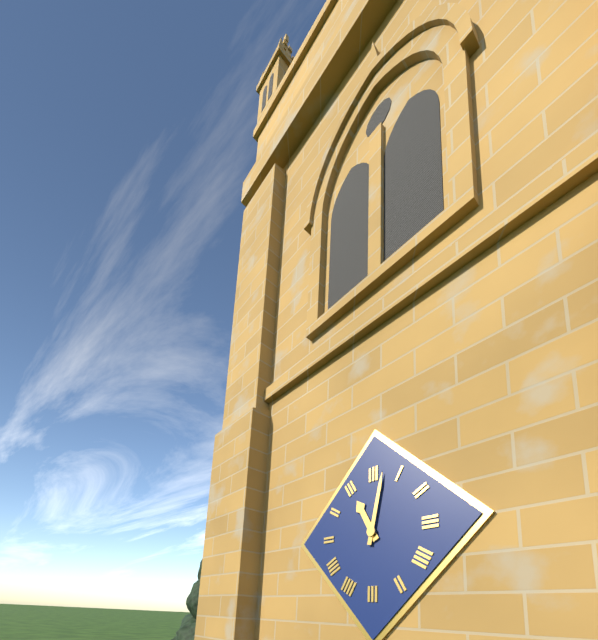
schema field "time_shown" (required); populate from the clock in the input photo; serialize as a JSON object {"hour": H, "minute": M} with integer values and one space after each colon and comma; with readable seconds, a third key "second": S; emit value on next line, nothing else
{"hour": 11, "minute": 2}
